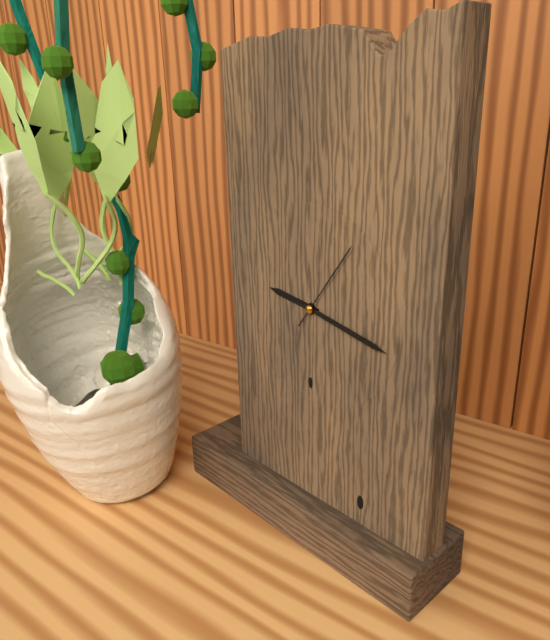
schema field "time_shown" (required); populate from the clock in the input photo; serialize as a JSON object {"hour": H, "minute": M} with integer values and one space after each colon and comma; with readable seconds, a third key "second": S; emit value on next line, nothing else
{"hour": 9, "minute": 17, "second": 6}
